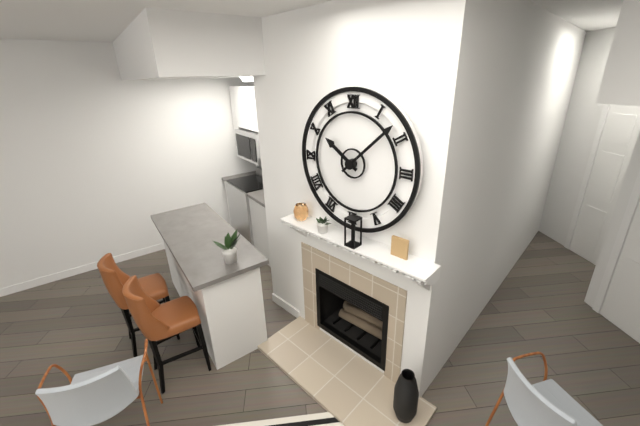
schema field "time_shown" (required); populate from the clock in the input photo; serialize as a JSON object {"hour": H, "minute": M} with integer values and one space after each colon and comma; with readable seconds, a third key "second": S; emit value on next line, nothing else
{"hour": 10, "minute": 8}
